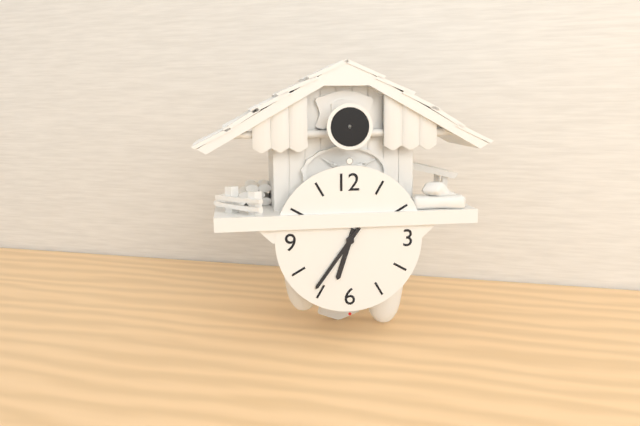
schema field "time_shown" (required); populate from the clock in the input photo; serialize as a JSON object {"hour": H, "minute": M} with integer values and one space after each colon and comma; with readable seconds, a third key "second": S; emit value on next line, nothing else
{"hour": 6, "minute": 36}
